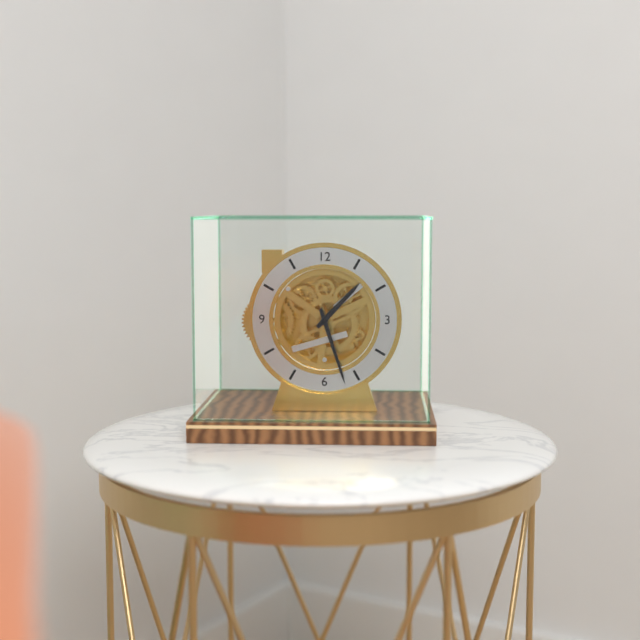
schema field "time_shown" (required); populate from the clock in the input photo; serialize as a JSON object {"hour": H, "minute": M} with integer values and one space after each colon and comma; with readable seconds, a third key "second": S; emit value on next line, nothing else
{"hour": 1, "minute": 27}
